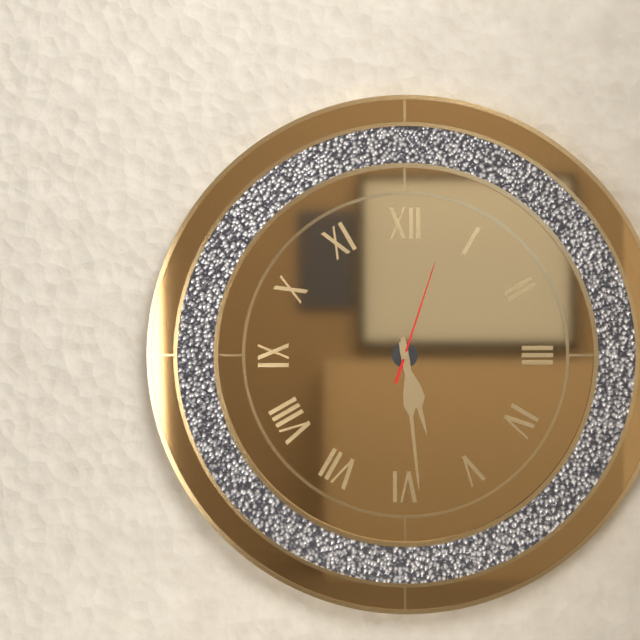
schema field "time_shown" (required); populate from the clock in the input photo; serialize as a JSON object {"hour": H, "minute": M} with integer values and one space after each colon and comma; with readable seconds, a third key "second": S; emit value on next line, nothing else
{"hour": 5, "minute": 29, "second": 3}
